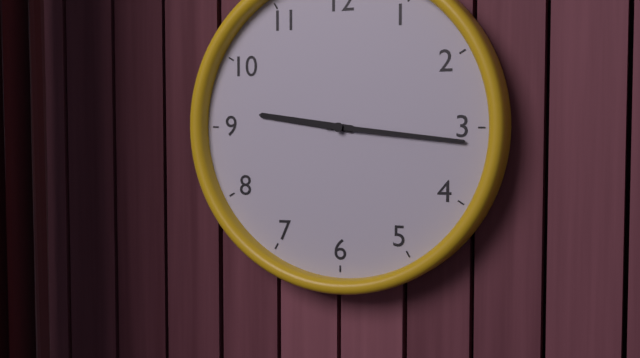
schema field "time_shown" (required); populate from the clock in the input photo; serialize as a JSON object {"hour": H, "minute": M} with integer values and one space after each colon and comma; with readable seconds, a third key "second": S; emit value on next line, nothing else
{"hour": 9, "minute": 16}
